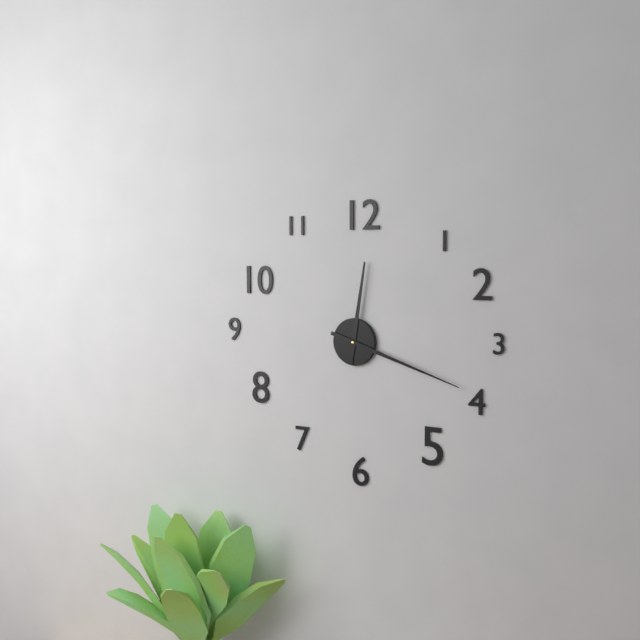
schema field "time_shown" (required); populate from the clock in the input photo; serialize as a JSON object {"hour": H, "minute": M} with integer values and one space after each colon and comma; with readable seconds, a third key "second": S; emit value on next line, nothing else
{"hour": 12, "minute": 18}
